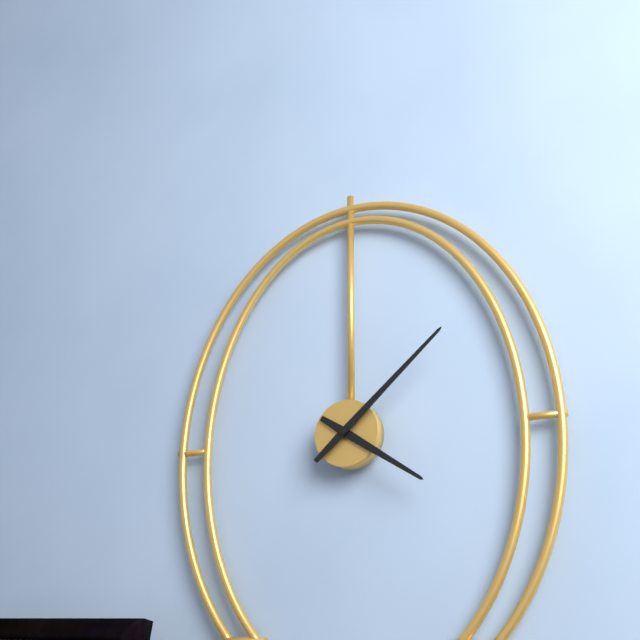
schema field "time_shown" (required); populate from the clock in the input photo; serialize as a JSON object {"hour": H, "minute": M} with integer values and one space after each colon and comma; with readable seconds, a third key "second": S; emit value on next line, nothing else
{"hour": 4, "minute": 8}
